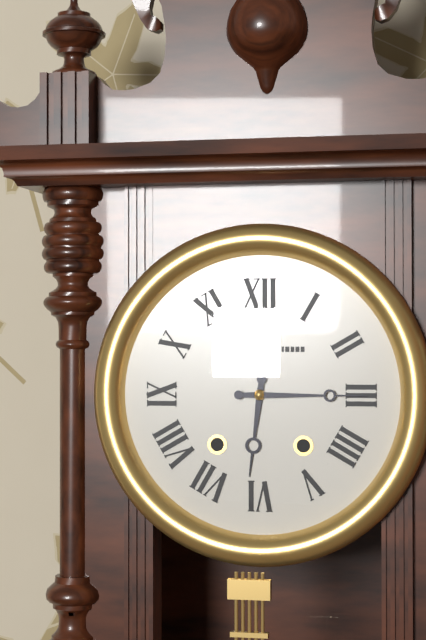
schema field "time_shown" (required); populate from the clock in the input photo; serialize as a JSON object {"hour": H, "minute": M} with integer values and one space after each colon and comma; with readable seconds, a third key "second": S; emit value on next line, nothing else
{"hour": 6, "minute": 15}
